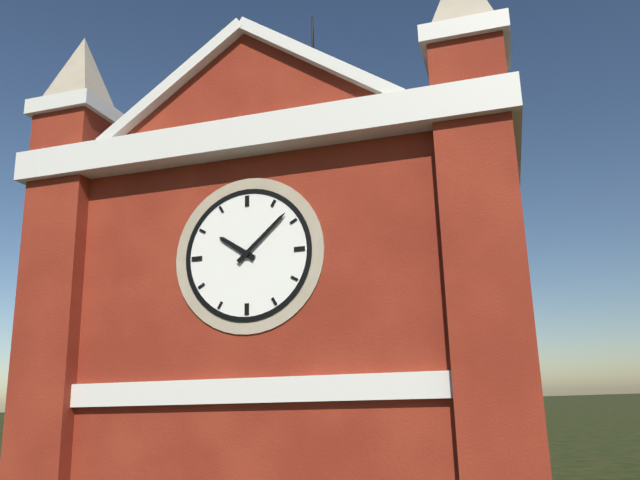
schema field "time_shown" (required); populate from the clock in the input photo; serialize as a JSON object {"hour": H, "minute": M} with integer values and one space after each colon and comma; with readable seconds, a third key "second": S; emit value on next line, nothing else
{"hour": 10, "minute": 8}
